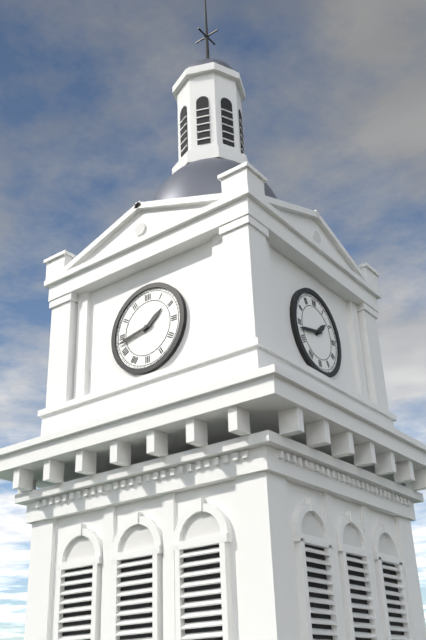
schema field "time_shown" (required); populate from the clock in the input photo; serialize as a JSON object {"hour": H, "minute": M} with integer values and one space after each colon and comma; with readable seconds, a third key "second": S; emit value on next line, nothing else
{"hour": 1, "minute": 43}
